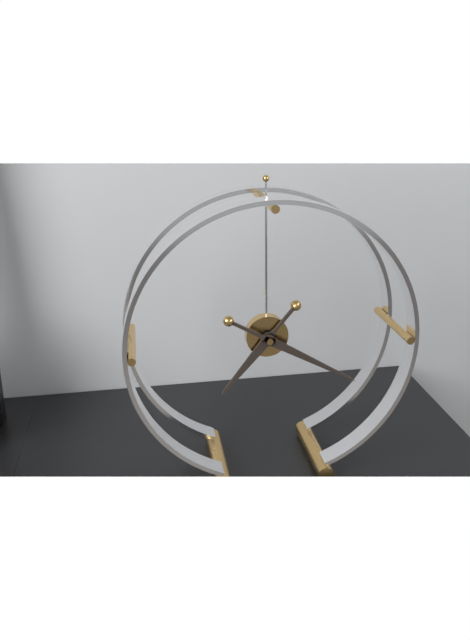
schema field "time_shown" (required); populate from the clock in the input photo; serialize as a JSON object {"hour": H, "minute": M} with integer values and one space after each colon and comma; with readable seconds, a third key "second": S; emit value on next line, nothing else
{"hour": 7, "minute": 20}
